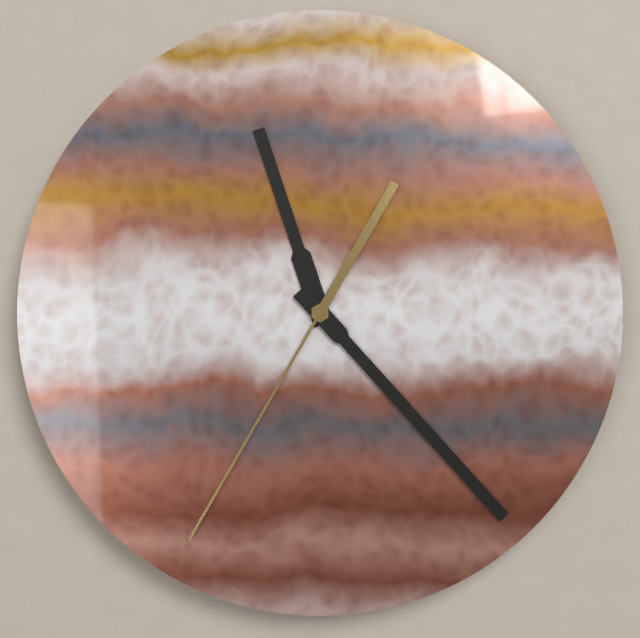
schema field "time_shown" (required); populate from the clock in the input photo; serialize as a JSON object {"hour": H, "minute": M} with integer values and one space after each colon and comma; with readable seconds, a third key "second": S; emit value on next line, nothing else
{"hour": 11, "minute": 23, "second": 35}
